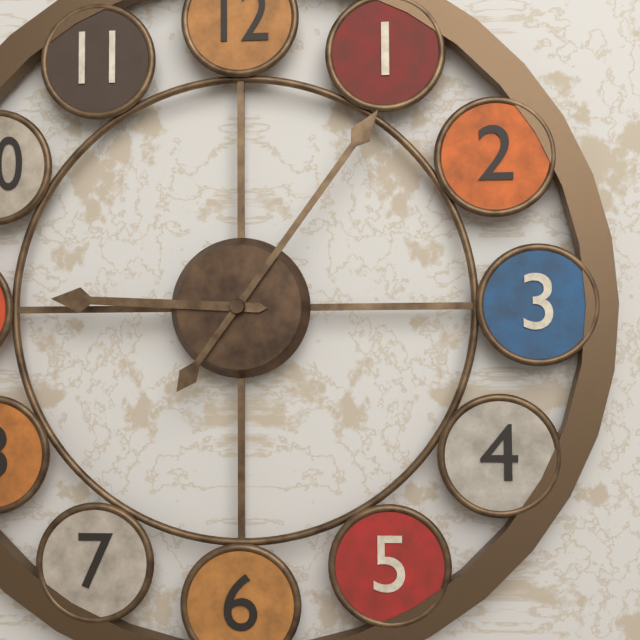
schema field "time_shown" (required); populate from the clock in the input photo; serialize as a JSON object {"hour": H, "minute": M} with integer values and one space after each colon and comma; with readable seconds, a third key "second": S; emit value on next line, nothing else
{"hour": 9, "minute": 6}
